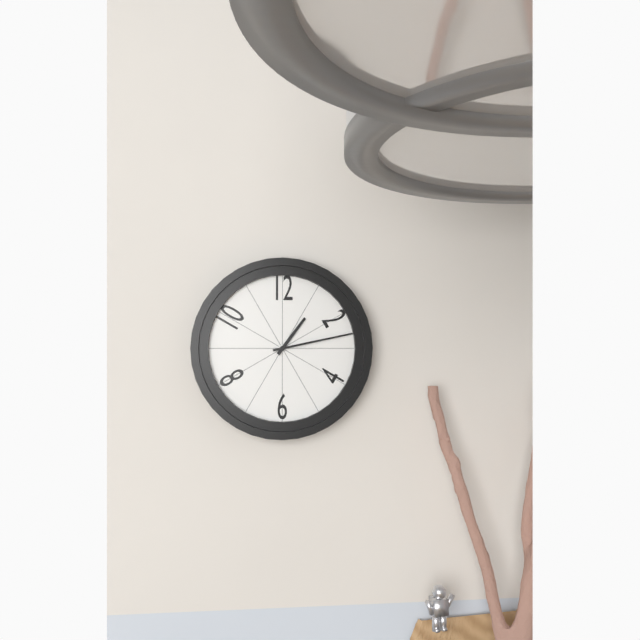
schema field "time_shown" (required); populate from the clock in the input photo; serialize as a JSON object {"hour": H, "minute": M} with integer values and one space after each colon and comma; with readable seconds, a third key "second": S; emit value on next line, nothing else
{"hour": 1, "minute": 13}
